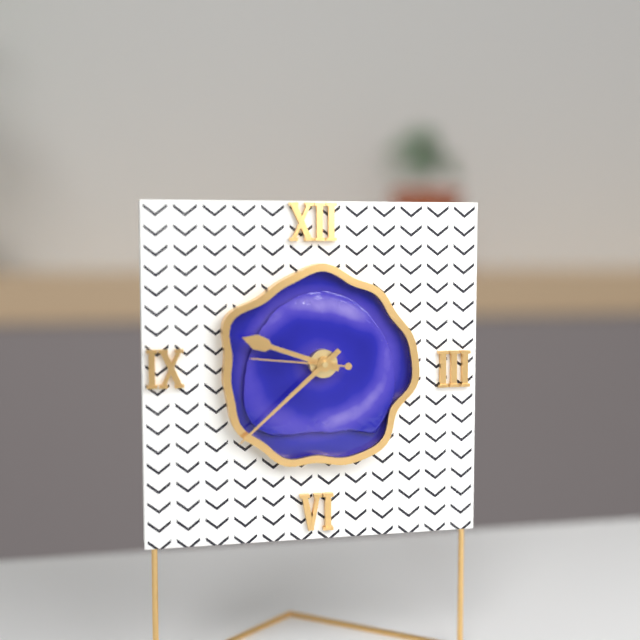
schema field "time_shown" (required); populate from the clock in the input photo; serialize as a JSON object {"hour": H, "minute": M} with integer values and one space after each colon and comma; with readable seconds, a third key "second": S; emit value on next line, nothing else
{"hour": 9, "minute": 38, "second": 46}
